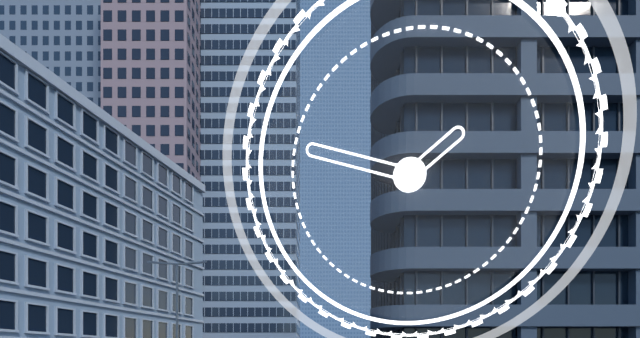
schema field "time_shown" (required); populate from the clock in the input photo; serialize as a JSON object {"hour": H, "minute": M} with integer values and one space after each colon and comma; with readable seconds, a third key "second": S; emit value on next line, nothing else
{"hour": 1, "minute": 48}
